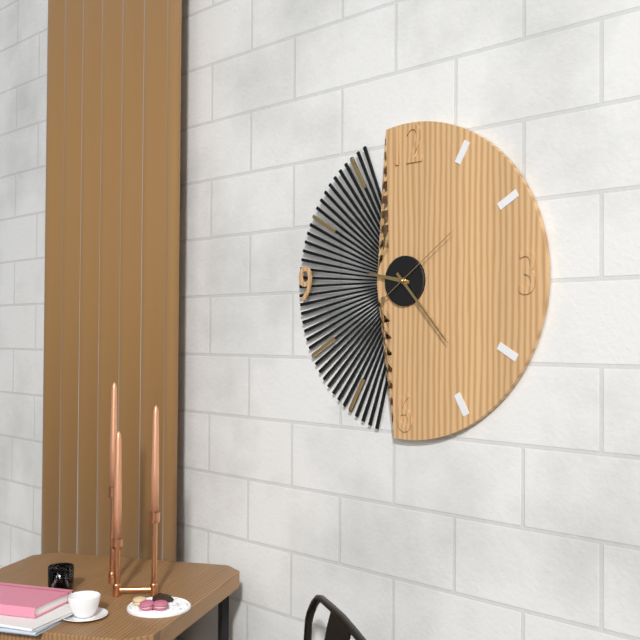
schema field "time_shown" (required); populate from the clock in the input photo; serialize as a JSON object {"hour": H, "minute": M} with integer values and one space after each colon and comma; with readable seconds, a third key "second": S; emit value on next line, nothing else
{"hour": 9, "minute": 23, "second": 9}
